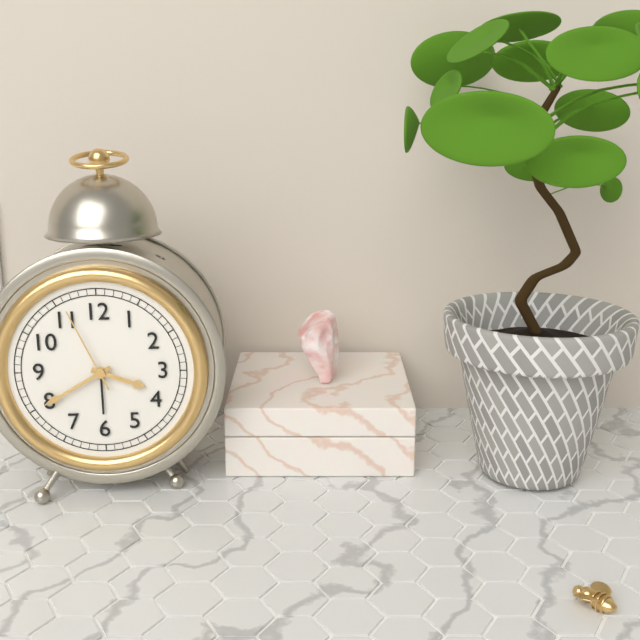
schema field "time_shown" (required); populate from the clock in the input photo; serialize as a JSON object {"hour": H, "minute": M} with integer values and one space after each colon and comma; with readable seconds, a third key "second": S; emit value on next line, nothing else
{"hour": 3, "minute": 40, "second": 56}
